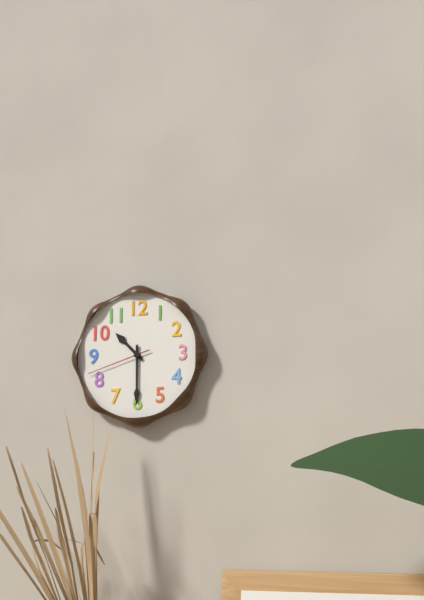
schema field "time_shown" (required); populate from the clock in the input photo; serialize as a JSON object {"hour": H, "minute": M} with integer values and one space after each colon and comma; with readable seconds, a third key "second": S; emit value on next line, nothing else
{"hour": 10, "minute": 30, "second": 42}
